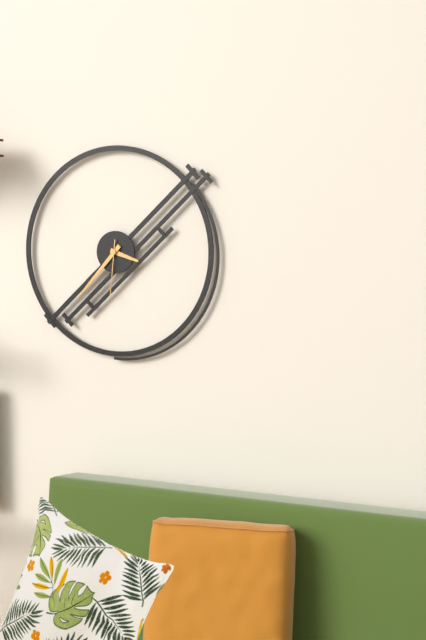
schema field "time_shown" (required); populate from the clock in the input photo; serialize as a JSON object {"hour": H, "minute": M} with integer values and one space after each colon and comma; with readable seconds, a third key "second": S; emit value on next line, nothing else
{"hour": 3, "minute": 37, "second": 31}
